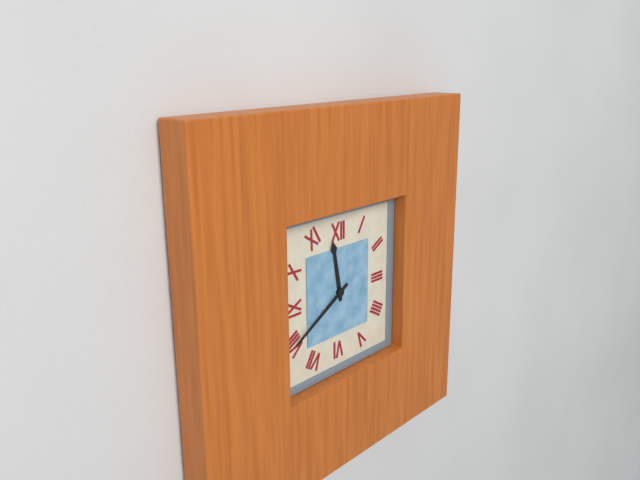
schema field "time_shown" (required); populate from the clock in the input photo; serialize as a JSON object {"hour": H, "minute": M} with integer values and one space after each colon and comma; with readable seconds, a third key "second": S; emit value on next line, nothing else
{"hour": 11, "minute": 40}
